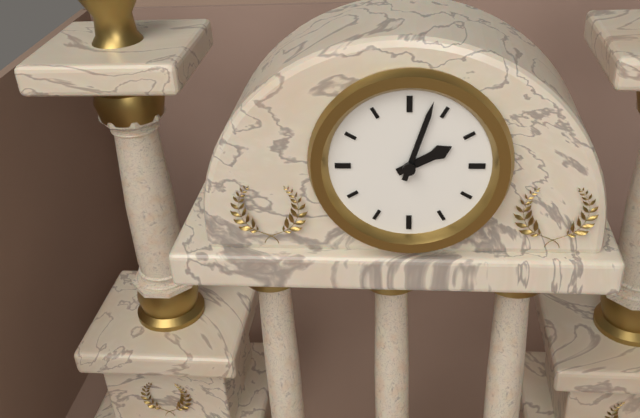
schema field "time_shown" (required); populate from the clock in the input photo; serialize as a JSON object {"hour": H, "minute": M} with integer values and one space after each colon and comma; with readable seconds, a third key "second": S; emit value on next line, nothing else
{"hour": 2, "minute": 3}
